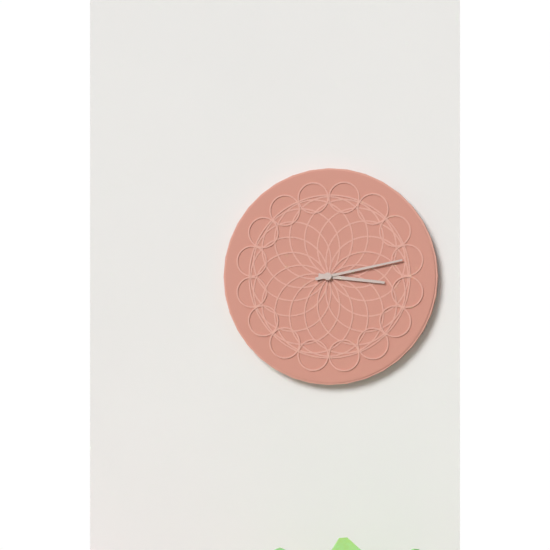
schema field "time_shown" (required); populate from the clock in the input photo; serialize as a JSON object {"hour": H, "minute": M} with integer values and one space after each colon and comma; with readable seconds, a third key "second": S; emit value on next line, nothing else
{"hour": 3, "minute": 13}
